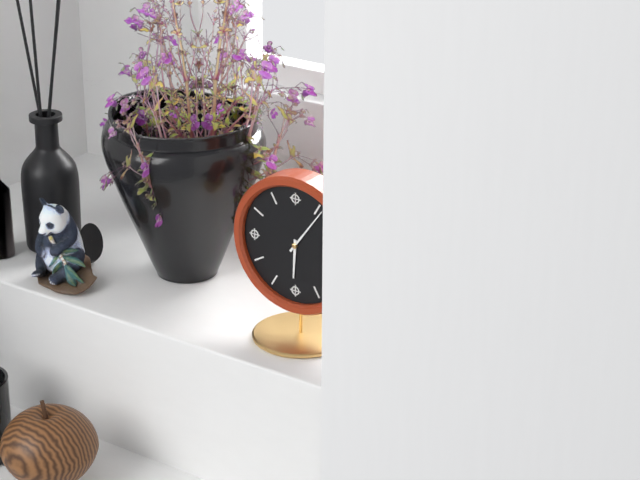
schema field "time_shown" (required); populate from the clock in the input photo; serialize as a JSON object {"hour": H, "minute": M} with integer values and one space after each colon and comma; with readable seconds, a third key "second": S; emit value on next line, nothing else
{"hour": 6, "minute": 6}
